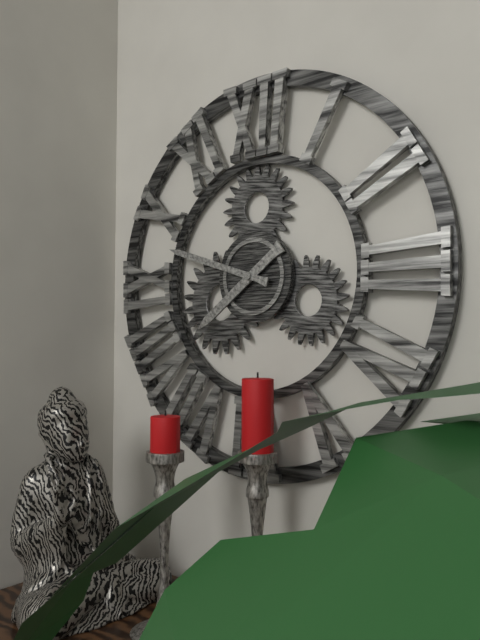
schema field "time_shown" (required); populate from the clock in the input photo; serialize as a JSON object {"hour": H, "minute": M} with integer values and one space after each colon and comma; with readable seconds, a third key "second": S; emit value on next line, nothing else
{"hour": 7, "minute": 48}
